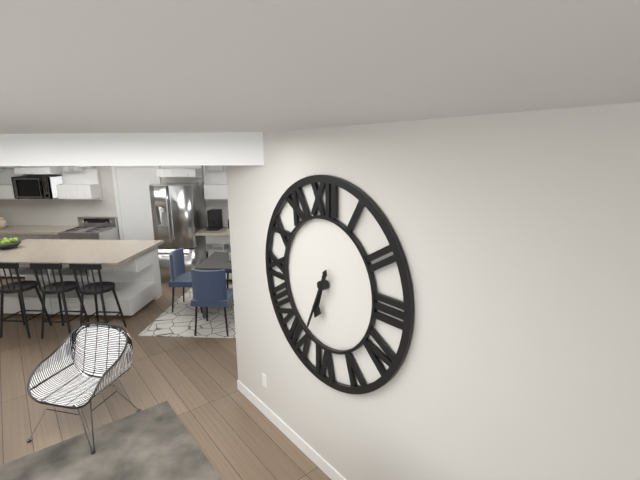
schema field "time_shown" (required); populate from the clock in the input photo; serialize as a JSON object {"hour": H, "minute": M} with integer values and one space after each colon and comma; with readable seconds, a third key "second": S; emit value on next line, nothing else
{"hour": 6, "minute": 34}
